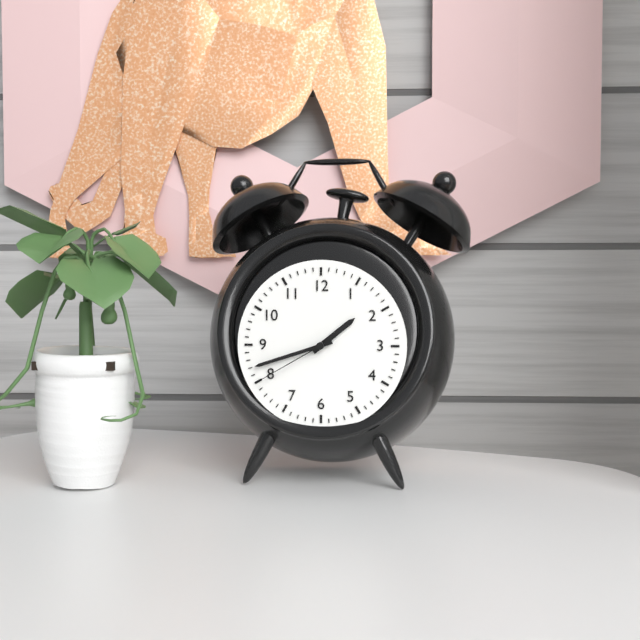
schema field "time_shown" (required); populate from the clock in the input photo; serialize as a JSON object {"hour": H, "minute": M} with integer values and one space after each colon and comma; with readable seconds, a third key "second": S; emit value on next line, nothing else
{"hour": 1, "minute": 42, "second": 40}
